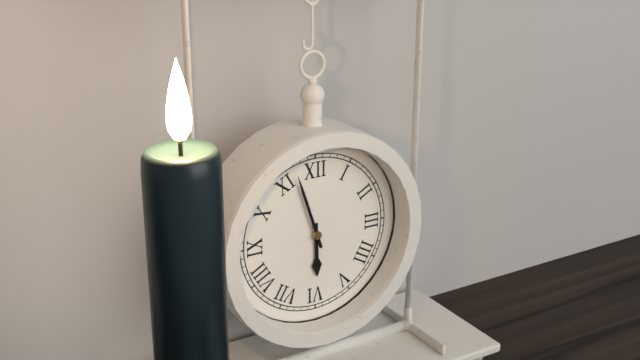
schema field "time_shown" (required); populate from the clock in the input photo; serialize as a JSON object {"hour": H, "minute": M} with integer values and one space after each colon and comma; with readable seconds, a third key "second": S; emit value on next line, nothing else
{"hour": 5, "minute": 57}
